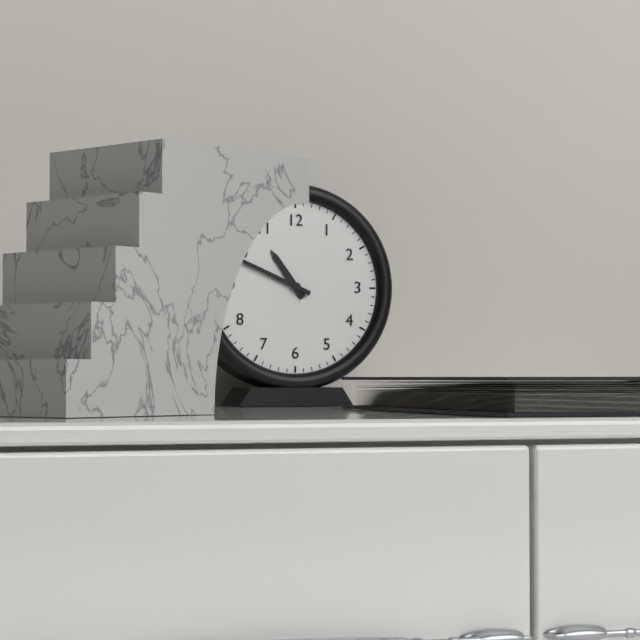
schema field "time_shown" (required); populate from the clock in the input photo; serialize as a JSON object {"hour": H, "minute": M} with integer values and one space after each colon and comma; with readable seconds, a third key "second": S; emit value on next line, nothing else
{"hour": 10, "minute": 49}
